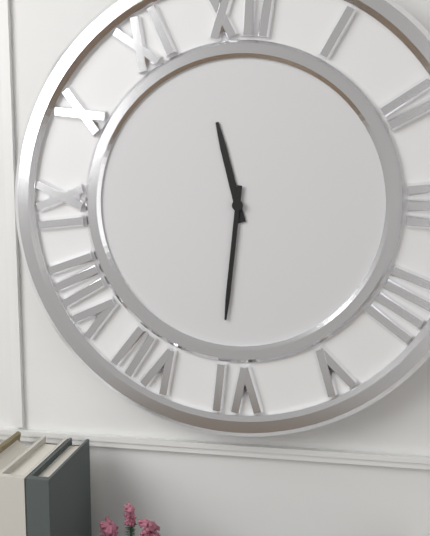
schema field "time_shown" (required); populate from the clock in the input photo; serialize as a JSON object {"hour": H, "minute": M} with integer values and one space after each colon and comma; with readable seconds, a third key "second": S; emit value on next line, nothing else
{"hour": 11, "minute": 31}
